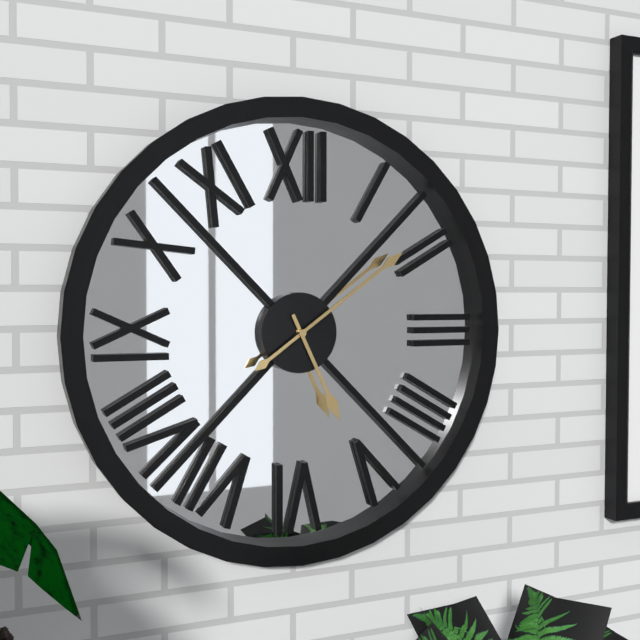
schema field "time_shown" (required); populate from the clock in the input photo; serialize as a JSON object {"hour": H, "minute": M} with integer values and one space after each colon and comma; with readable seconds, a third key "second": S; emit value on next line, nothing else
{"hour": 5, "minute": 9}
